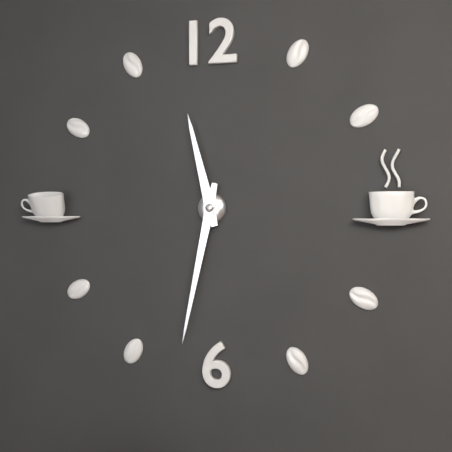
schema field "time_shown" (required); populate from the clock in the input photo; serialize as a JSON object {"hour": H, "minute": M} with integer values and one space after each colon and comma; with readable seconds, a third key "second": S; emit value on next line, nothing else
{"hour": 11, "minute": 32}
